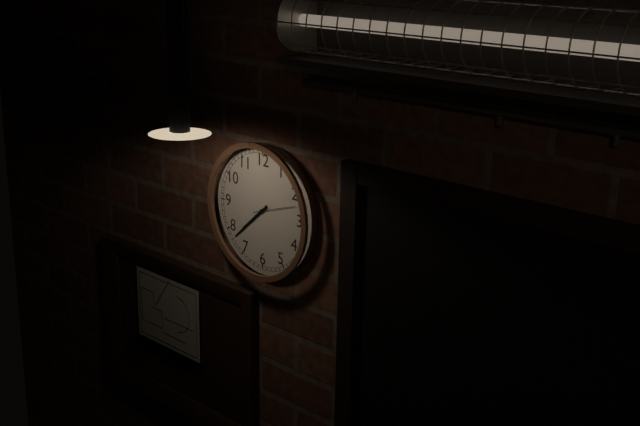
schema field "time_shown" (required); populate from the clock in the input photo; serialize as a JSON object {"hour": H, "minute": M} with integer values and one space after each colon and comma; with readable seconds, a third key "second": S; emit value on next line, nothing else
{"hour": 7, "minute": 38}
